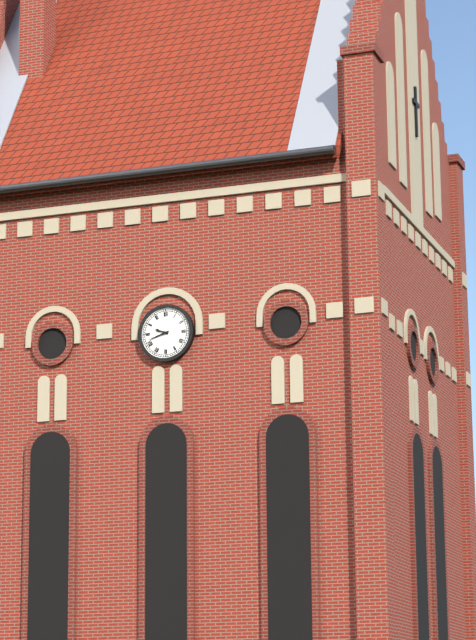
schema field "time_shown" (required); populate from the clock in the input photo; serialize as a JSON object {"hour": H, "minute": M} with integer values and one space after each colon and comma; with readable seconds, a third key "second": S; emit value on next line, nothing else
{"hour": 9, "minute": 42}
